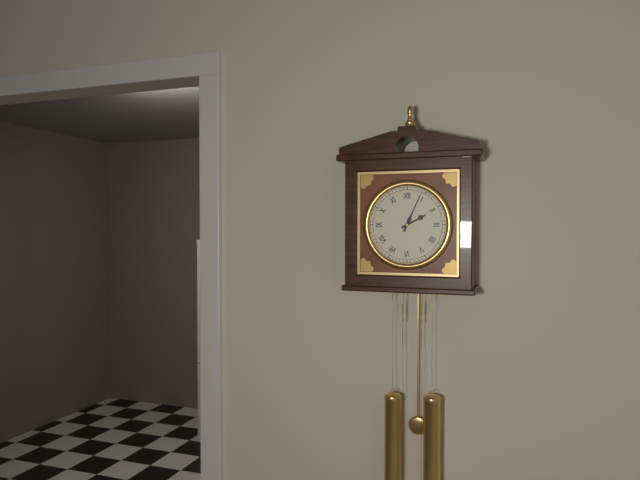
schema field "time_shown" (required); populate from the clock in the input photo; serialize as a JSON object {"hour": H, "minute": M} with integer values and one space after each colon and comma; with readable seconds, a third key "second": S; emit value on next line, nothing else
{"hour": 2, "minute": 4}
